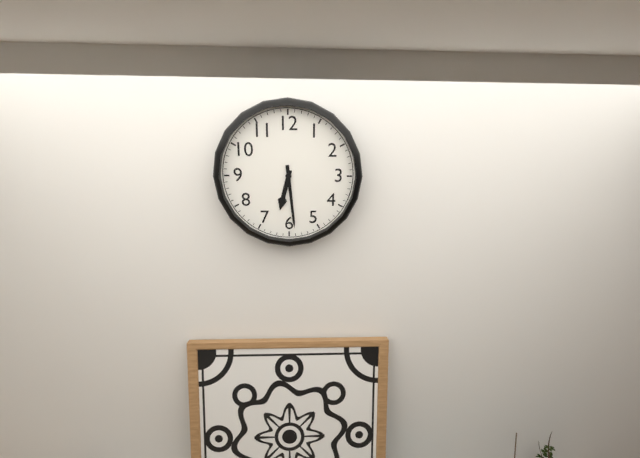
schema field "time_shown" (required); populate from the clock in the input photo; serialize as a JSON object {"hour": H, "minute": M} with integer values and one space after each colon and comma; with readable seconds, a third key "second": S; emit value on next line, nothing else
{"hour": 6, "minute": 29}
